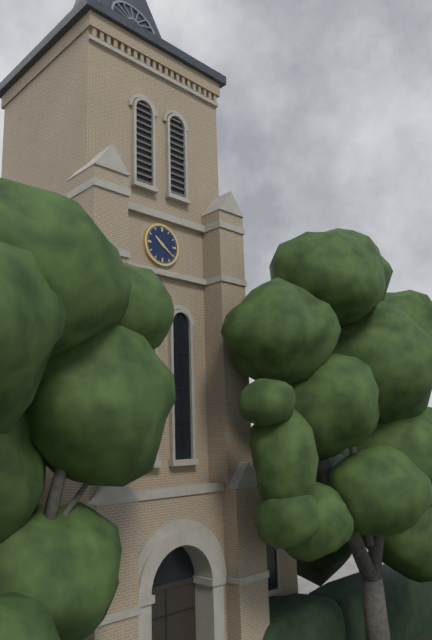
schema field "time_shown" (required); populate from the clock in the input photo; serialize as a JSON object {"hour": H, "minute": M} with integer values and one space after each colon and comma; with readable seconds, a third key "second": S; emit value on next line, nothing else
{"hour": 10, "minute": 21}
